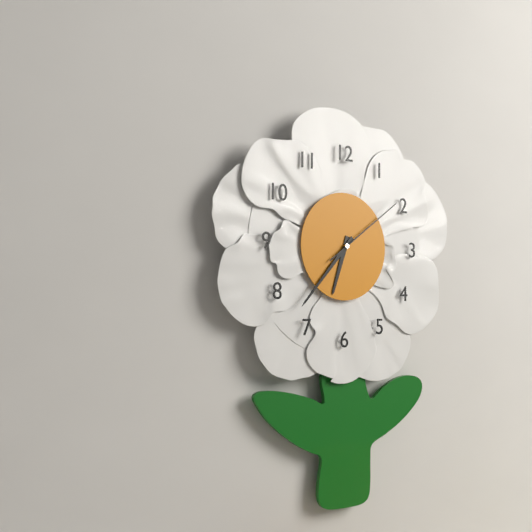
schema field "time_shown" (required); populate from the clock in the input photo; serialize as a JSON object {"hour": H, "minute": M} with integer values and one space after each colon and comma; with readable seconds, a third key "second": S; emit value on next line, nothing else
{"hour": 6, "minute": 37, "second": 9}
